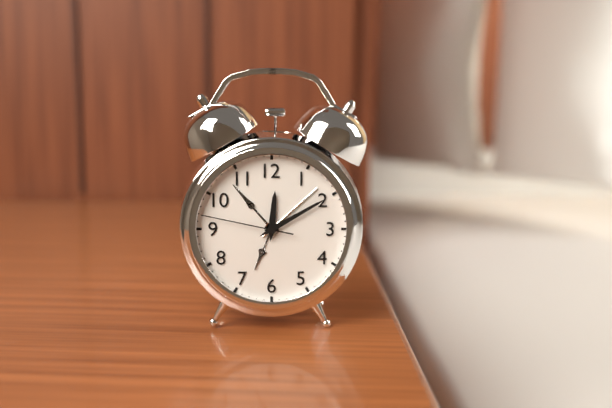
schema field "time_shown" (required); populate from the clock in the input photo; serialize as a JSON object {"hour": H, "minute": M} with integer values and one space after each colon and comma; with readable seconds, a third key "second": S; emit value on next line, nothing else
{"hour": 12, "minute": 10, "second": 47}
